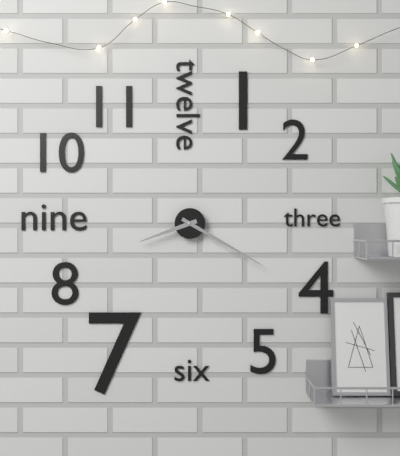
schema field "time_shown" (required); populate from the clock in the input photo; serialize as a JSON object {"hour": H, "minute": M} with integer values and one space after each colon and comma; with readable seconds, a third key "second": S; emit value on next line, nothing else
{"hour": 8, "minute": 20}
